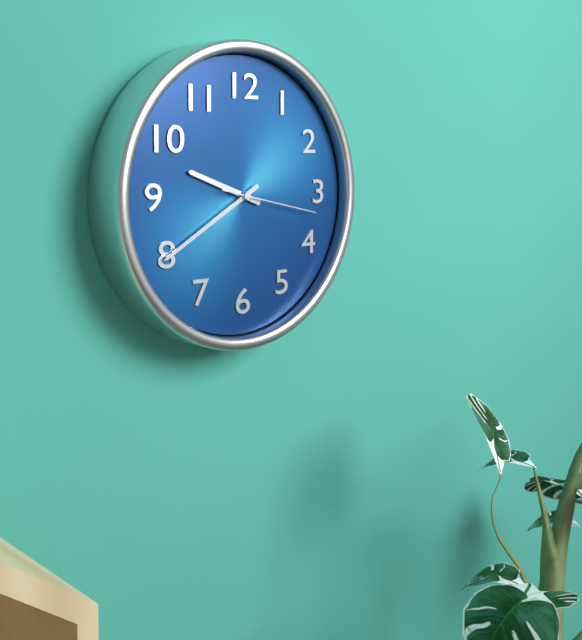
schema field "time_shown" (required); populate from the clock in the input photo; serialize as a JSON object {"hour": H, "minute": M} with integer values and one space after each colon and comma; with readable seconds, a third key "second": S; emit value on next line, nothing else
{"hour": 9, "minute": 40, "second": 17}
